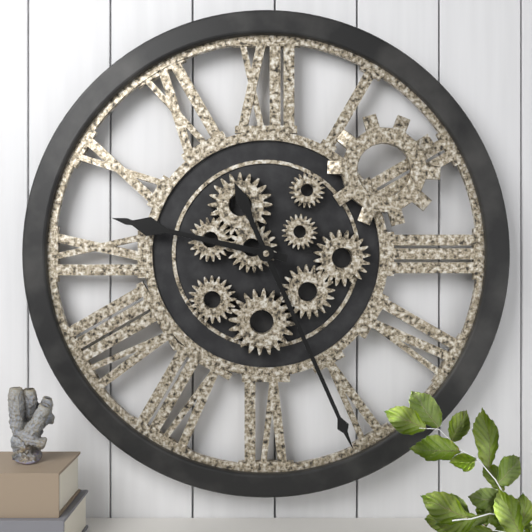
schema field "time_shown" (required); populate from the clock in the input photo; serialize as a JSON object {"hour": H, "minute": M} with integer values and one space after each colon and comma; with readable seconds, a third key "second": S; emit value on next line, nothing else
{"hour": 9, "minute": 26}
